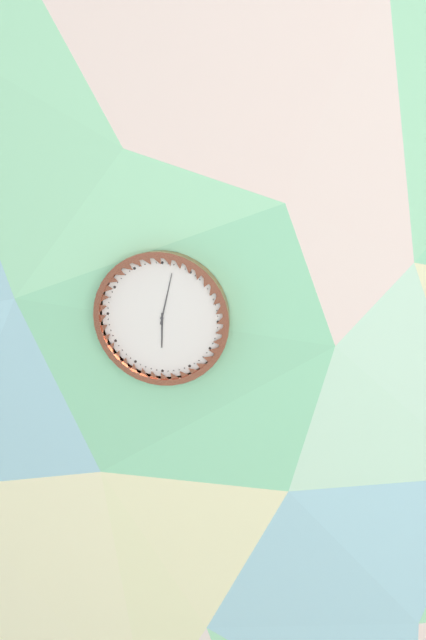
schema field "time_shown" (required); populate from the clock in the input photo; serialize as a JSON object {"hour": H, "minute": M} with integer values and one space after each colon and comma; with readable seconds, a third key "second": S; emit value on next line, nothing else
{"hour": 6, "minute": 2}
